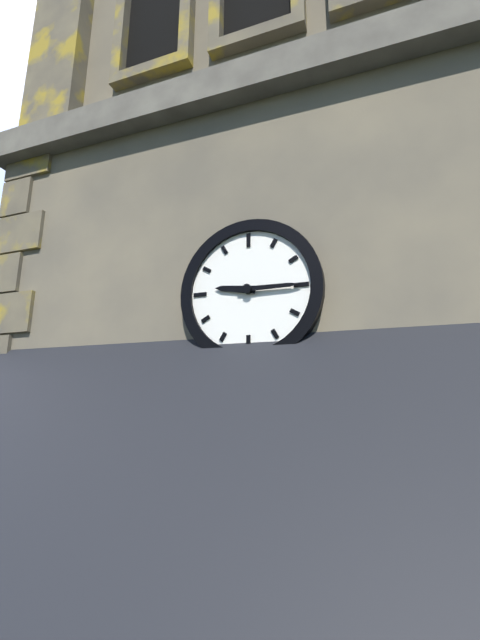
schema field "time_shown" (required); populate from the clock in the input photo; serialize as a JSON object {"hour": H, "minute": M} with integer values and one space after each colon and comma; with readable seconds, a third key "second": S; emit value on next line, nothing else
{"hour": 9, "minute": 15}
